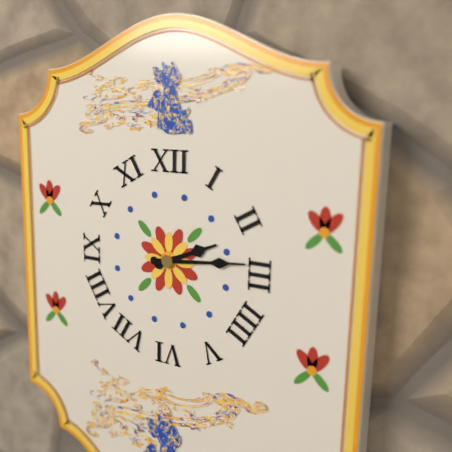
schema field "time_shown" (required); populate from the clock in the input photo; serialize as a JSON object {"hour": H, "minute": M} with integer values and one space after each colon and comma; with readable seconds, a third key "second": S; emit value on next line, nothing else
{"hour": 2, "minute": 14}
